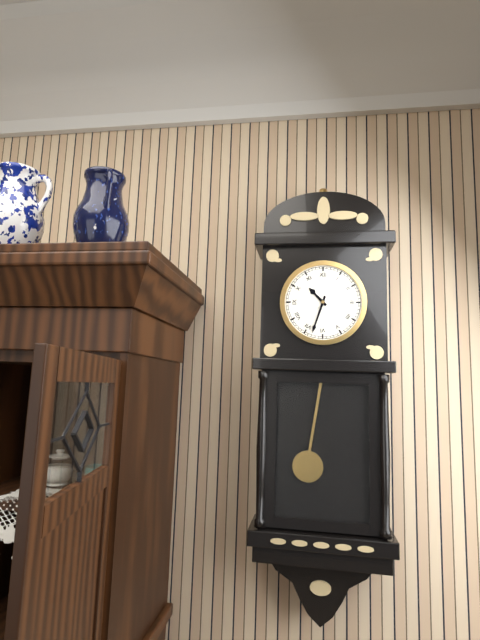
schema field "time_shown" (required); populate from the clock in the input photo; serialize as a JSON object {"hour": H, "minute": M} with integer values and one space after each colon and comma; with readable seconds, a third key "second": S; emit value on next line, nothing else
{"hour": 10, "minute": 33}
